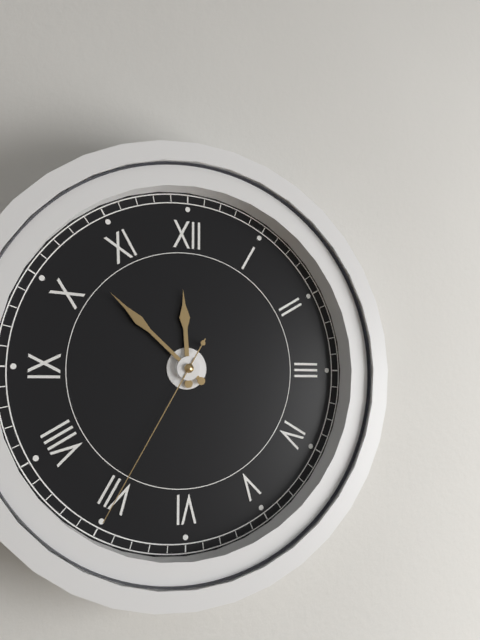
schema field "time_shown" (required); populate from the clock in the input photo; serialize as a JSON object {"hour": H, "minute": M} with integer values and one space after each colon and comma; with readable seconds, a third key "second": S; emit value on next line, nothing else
{"hour": 11, "minute": 52, "second": 35}
